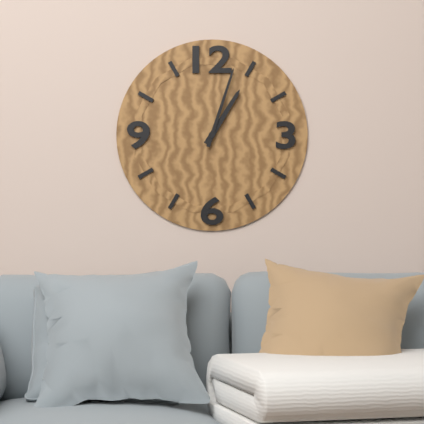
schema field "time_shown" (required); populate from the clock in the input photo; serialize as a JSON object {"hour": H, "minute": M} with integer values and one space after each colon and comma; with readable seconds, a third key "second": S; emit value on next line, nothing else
{"hour": 1, "minute": 3}
